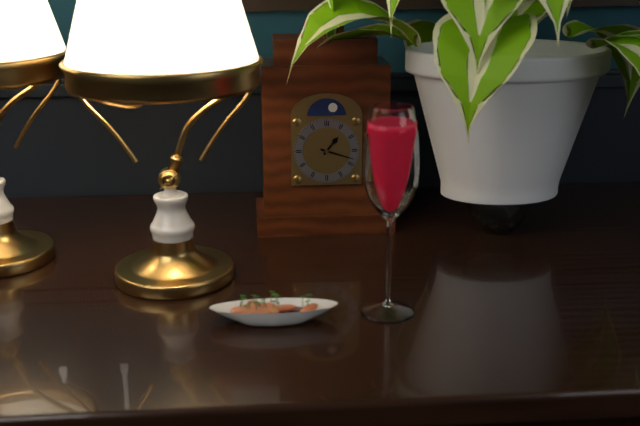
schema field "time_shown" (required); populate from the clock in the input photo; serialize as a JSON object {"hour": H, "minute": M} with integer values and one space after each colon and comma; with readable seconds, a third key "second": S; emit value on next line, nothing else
{"hour": 1, "minute": 18}
